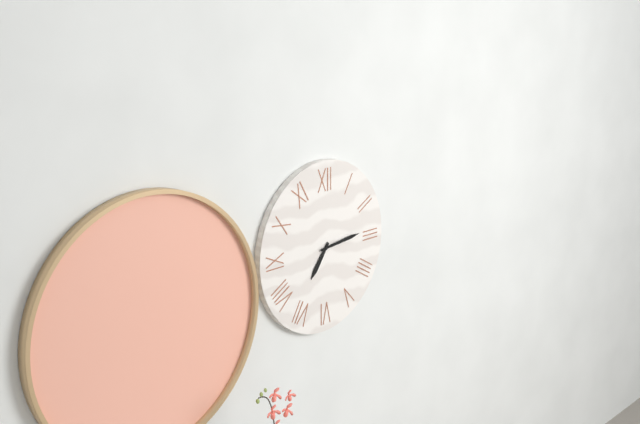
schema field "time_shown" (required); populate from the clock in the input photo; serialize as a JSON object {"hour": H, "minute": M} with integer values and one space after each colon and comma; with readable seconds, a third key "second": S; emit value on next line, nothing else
{"hour": 7, "minute": 14}
